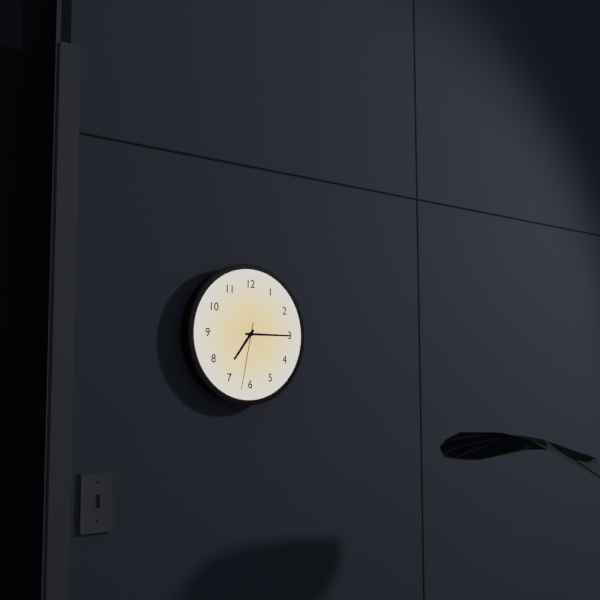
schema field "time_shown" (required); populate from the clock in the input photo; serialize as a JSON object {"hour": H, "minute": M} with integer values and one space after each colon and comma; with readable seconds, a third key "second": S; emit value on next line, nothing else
{"hour": 7, "minute": 15, "second": 32}
